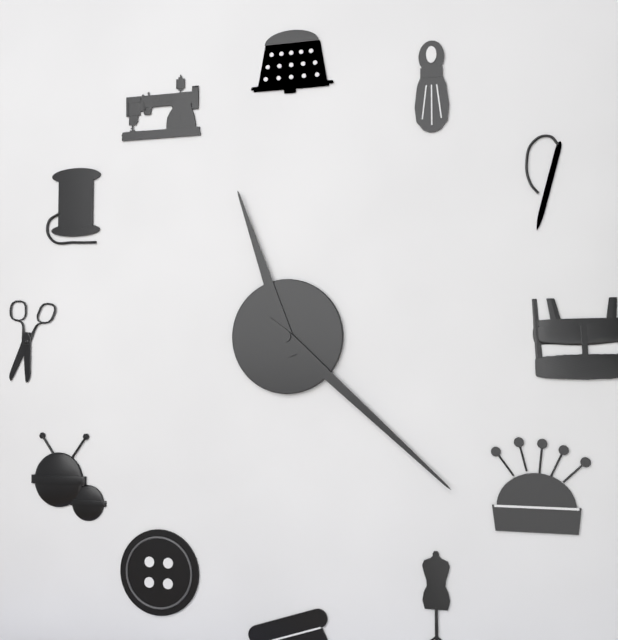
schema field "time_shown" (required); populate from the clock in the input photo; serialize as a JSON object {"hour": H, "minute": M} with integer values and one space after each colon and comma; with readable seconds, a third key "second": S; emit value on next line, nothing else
{"hour": 11, "minute": 22}
